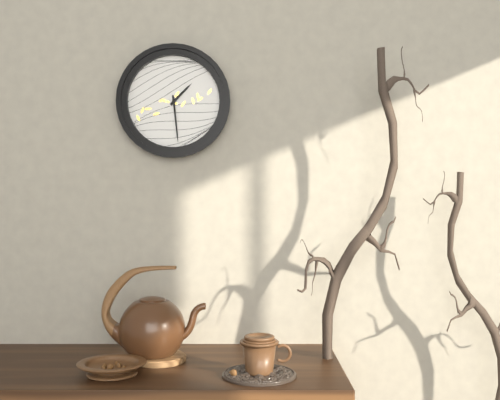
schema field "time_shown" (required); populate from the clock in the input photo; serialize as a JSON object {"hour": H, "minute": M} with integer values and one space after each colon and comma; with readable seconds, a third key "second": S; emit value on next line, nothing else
{"hour": 1, "minute": 29}
